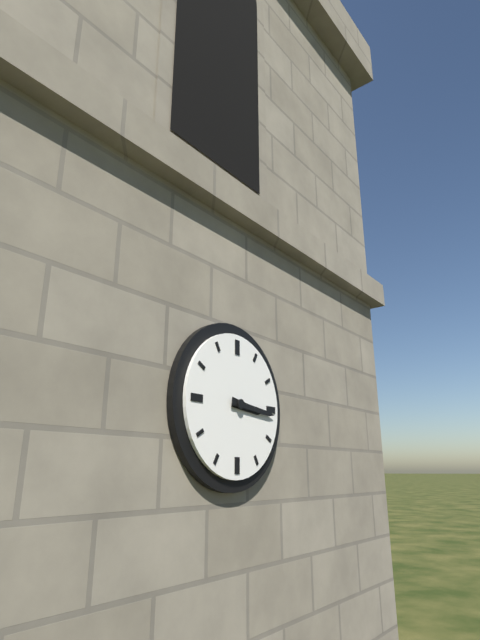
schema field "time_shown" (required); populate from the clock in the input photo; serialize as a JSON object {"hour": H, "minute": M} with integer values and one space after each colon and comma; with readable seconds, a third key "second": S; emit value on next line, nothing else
{"hour": 3, "minute": 16}
